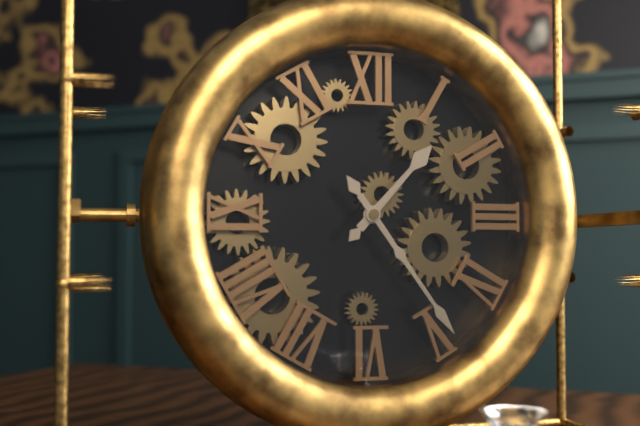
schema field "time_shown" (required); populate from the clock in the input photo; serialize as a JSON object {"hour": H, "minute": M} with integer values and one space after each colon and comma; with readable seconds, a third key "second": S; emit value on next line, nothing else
{"hour": 1, "minute": 24}
